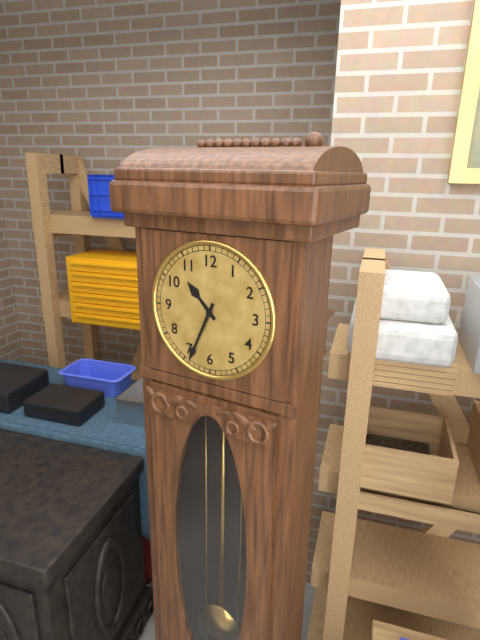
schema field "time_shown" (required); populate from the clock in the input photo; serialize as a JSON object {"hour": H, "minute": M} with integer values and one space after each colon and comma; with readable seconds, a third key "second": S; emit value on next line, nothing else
{"hour": 10, "minute": 34}
